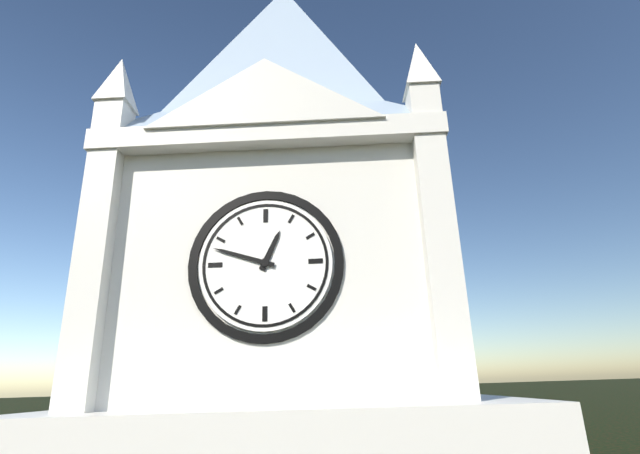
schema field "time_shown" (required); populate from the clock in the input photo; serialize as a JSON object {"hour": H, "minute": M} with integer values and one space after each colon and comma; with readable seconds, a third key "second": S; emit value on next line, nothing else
{"hour": 12, "minute": 48}
